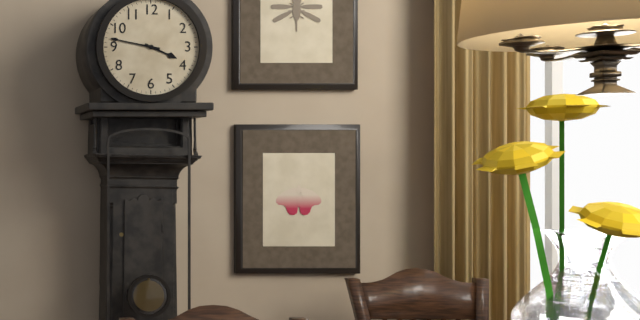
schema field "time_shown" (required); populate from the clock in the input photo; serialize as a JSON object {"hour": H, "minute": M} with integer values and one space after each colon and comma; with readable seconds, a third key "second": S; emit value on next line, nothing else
{"hour": 3, "minute": 47}
